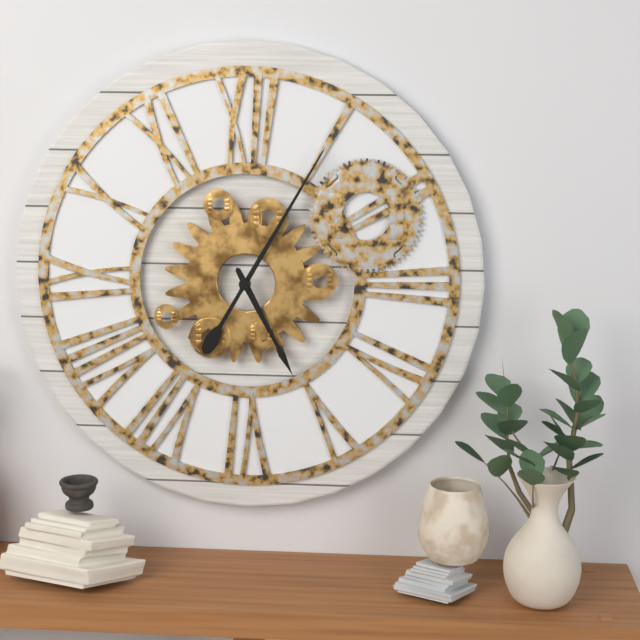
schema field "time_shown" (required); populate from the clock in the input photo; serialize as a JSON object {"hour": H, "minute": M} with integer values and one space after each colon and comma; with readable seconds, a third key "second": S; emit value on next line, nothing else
{"hour": 5, "minute": 5}
